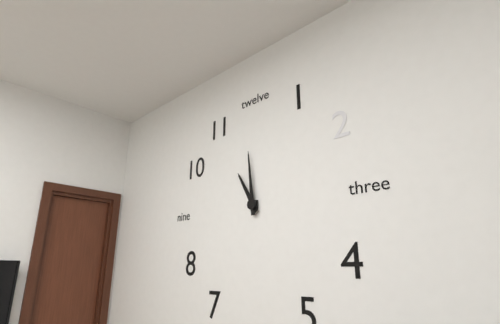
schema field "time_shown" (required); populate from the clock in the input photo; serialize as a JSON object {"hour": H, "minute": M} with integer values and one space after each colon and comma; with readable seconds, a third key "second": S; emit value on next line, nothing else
{"hour": 10, "minute": 59}
